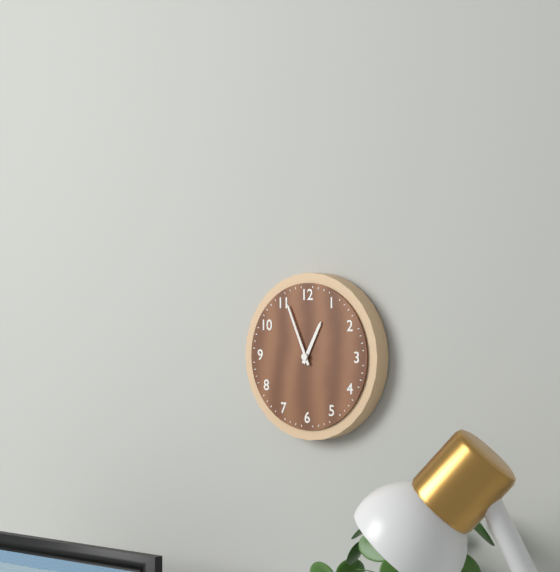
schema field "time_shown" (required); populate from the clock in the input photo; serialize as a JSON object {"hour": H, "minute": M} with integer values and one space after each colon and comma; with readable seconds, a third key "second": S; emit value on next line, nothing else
{"hour": 12, "minute": 56}
